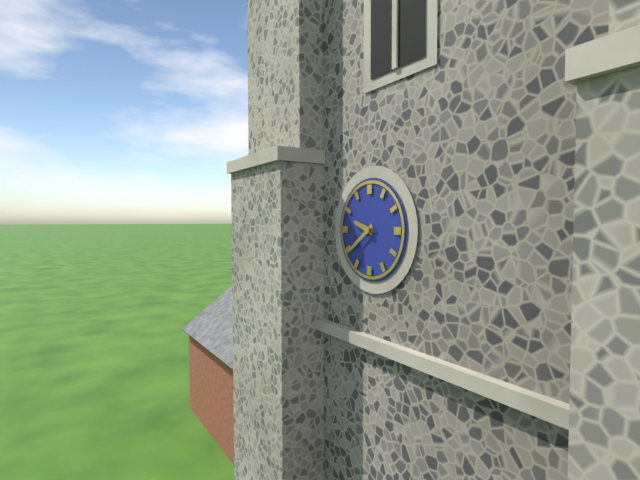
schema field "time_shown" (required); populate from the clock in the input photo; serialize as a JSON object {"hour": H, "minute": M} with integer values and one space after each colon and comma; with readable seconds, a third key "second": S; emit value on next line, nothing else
{"hour": 9, "minute": 39}
